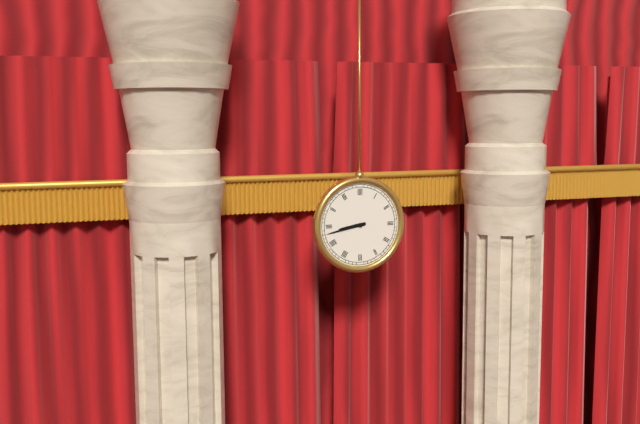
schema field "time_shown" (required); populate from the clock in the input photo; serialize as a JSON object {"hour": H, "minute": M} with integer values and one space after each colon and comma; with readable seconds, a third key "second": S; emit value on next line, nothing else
{"hour": 8, "minute": 43}
